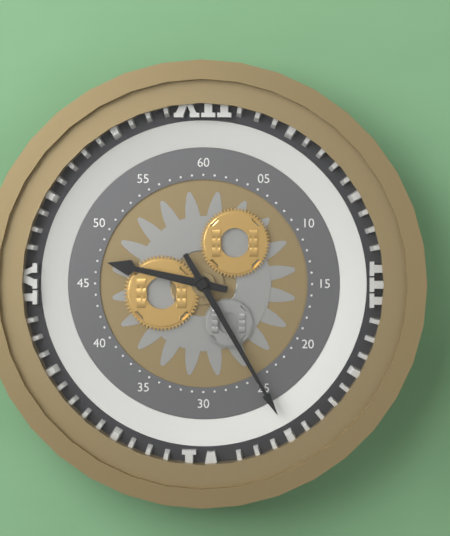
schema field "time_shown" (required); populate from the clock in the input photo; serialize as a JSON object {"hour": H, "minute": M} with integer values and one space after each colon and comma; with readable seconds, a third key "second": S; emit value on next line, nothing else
{"hour": 9, "minute": 25}
